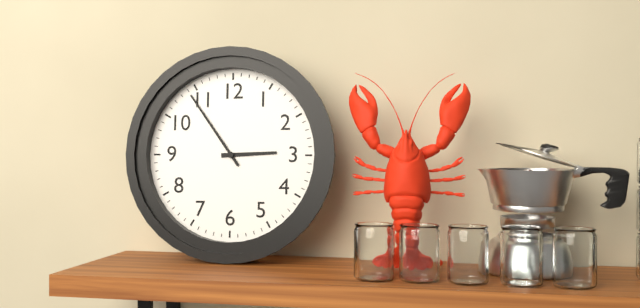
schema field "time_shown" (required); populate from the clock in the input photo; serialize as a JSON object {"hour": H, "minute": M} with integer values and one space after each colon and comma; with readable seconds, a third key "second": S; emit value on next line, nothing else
{"hour": 2, "minute": 54}
